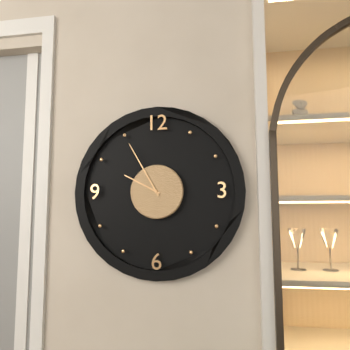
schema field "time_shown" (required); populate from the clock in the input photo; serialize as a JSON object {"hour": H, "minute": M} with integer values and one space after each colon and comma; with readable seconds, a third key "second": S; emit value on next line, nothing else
{"hour": 9, "minute": 55}
